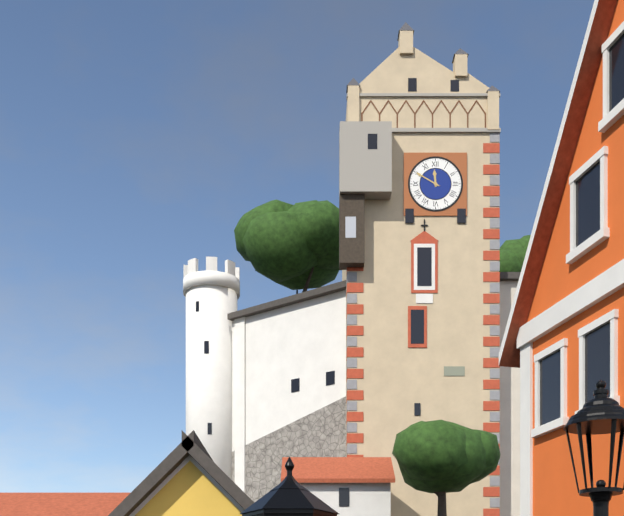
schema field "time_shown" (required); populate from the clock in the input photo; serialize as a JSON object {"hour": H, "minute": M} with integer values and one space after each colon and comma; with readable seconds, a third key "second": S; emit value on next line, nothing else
{"hour": 11, "minute": 50}
